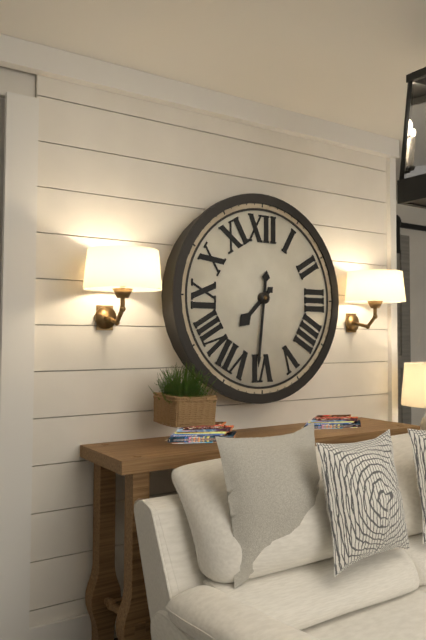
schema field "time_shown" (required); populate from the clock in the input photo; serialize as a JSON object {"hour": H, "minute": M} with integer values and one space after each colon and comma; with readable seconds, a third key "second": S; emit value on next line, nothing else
{"hour": 7, "minute": 31}
